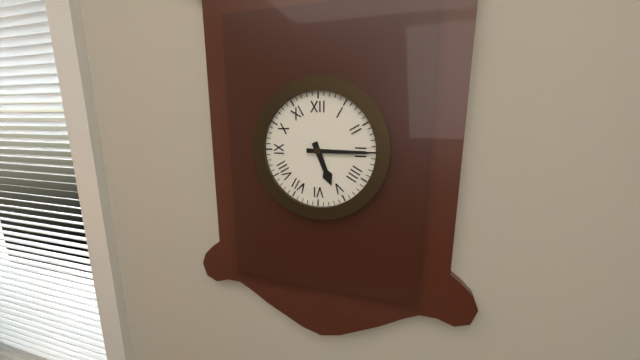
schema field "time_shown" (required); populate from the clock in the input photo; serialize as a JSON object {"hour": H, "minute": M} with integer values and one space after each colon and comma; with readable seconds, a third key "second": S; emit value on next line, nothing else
{"hour": 5, "minute": 15}
